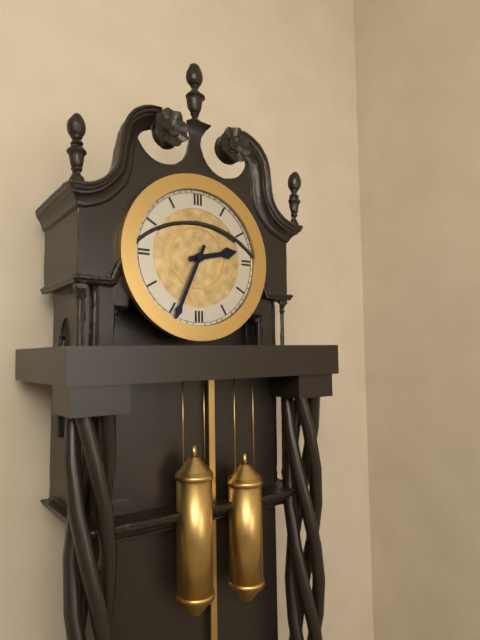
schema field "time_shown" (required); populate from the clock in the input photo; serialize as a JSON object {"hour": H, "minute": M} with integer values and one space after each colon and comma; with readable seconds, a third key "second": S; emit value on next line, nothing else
{"hour": 2, "minute": 34}
